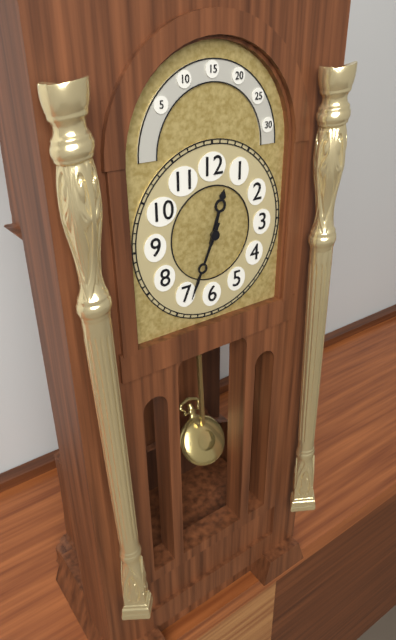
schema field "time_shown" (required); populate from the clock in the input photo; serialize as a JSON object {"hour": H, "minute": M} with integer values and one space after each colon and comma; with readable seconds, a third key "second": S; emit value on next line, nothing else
{"hour": 12, "minute": 34}
